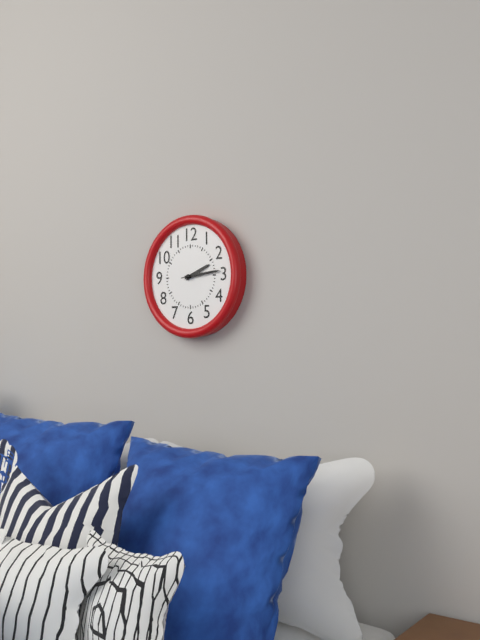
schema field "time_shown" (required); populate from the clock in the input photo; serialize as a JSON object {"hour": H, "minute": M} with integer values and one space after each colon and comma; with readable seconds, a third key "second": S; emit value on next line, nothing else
{"hour": 2, "minute": 14}
